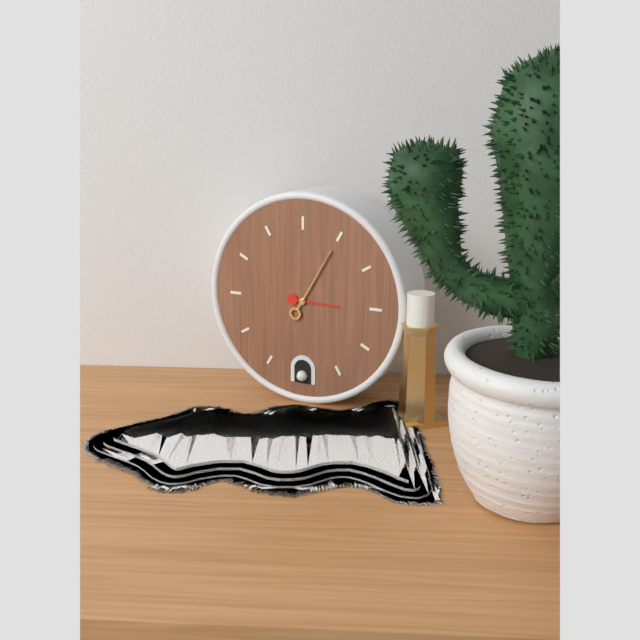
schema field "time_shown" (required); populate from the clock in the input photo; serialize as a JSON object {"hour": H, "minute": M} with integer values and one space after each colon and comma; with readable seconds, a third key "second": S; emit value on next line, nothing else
{"hour": 3, "minute": 5}
